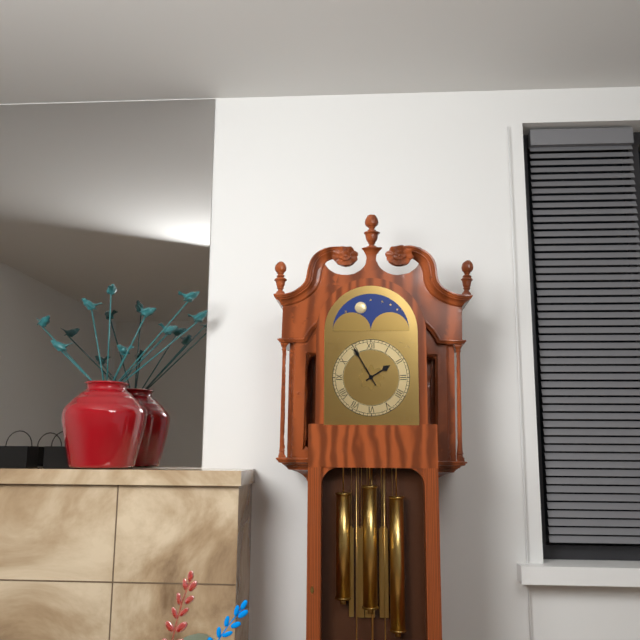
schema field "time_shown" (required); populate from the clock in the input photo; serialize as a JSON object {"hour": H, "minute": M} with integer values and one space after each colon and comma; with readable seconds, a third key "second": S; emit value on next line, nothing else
{"hour": 1, "minute": 55}
